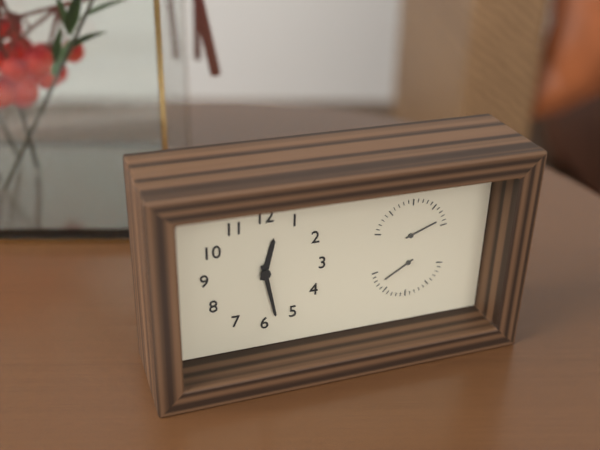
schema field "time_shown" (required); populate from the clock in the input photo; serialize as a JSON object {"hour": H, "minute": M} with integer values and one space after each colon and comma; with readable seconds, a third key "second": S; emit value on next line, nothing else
{"hour": 12, "minute": 28}
